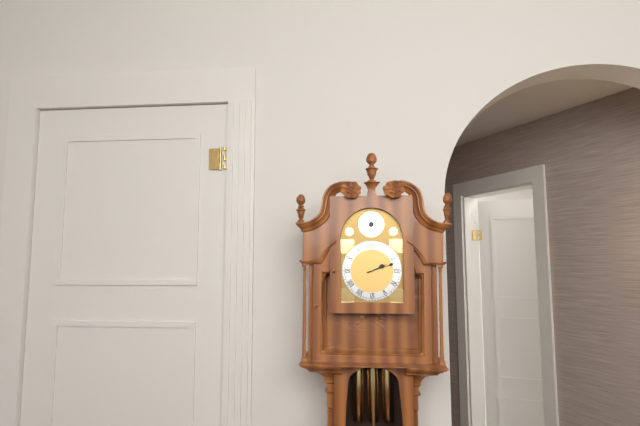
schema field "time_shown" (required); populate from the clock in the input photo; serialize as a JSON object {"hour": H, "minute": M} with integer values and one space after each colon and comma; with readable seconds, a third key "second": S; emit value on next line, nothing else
{"hour": 2, "minute": 12}
